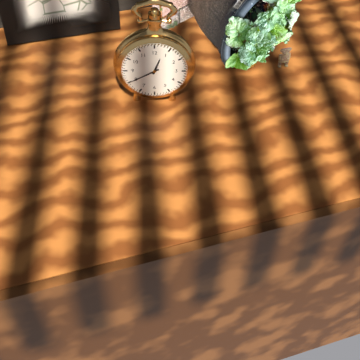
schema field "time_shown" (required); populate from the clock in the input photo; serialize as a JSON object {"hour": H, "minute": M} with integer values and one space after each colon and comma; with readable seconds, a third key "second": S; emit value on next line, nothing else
{"hour": 12, "minute": 40}
